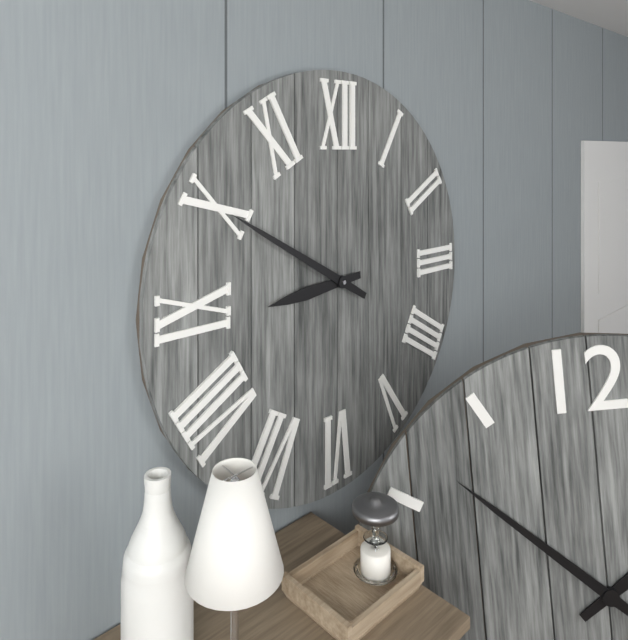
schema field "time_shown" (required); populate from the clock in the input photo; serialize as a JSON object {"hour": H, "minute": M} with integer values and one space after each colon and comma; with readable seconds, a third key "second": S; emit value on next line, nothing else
{"hour": 8, "minute": 50}
